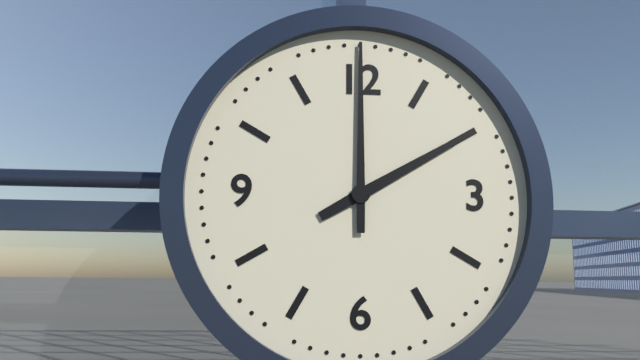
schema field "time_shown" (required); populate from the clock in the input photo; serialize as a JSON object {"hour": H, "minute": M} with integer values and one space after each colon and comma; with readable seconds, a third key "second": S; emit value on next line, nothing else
{"hour": 2, "minute": 0}
